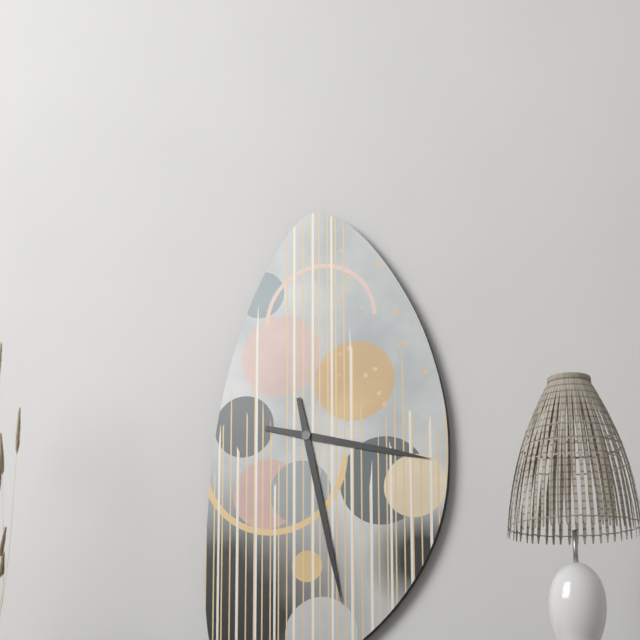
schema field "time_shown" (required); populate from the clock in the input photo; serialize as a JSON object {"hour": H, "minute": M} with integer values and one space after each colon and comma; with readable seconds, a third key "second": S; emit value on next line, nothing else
{"hour": 3, "minute": 28}
